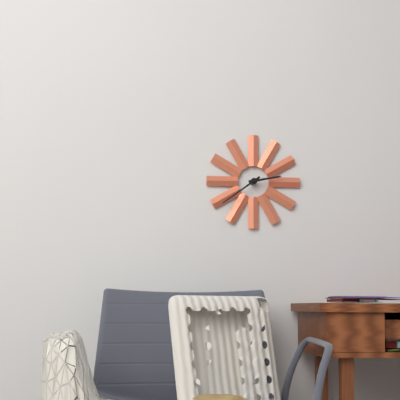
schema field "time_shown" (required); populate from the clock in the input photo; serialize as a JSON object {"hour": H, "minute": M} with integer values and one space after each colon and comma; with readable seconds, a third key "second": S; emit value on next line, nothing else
{"hour": 2, "minute": 39}
